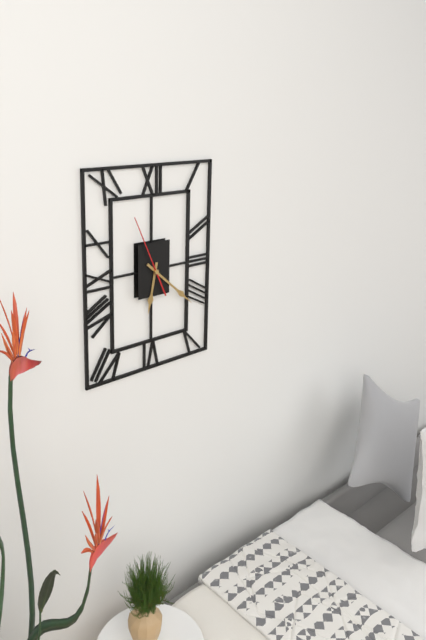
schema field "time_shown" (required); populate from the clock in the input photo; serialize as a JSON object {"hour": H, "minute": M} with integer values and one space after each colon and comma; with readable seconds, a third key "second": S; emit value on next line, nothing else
{"hour": 6, "minute": 22, "second": 56}
